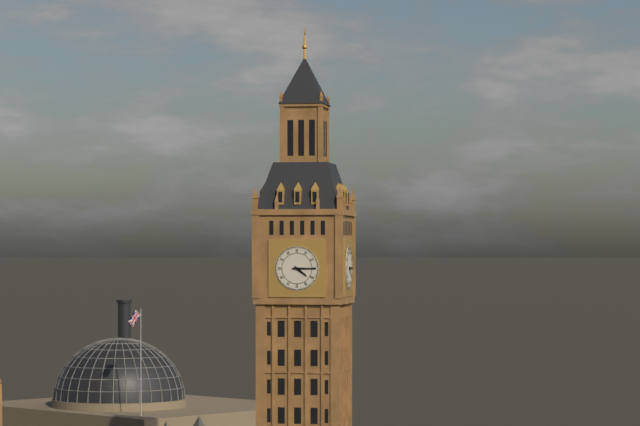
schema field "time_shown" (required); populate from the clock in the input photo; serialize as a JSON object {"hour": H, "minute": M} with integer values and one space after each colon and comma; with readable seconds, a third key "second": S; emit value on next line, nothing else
{"hour": 4, "minute": 15}
